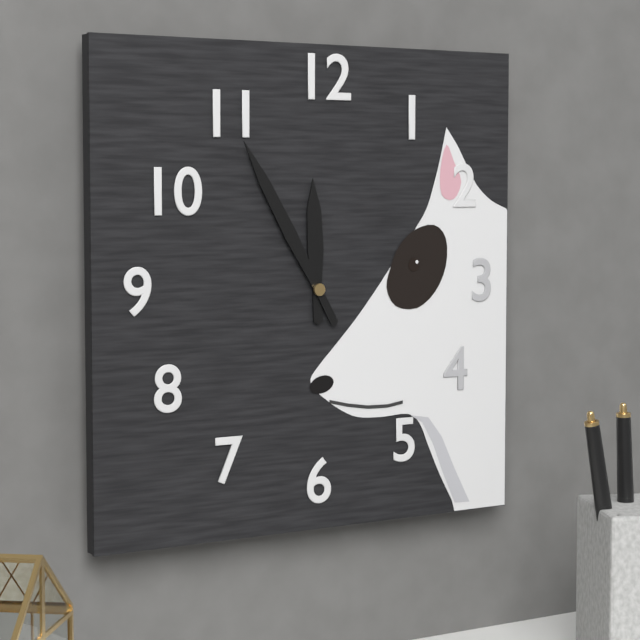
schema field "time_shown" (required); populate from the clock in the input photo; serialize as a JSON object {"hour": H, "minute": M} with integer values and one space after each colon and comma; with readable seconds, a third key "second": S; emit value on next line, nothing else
{"hour": 11, "minute": 55}
